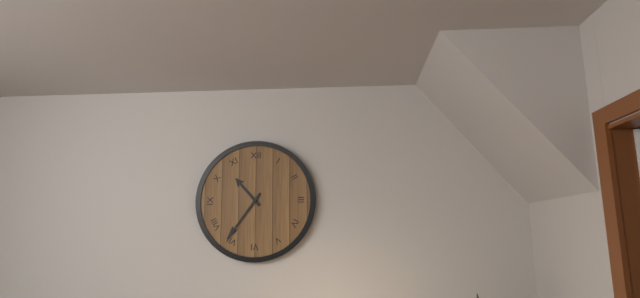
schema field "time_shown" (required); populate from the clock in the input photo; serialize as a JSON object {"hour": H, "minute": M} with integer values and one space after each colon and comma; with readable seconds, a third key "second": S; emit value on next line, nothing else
{"hour": 10, "minute": 36}
